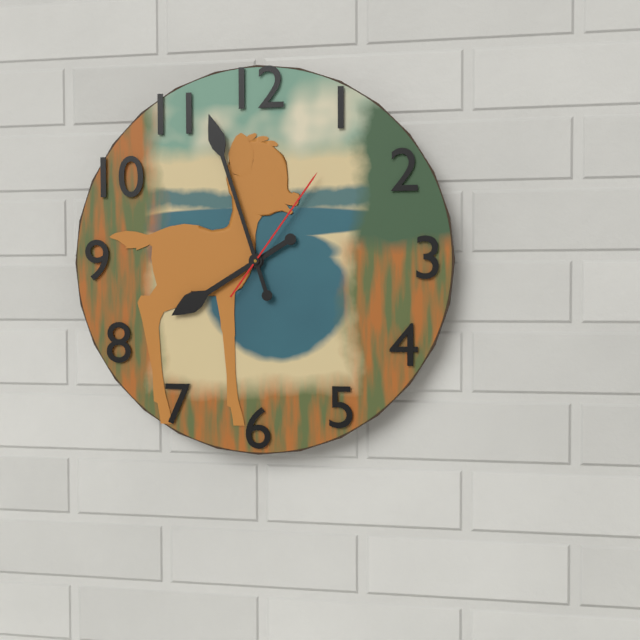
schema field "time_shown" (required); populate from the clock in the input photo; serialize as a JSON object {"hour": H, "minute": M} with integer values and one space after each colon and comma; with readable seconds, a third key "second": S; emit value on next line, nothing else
{"hour": 7, "minute": 57, "second": 6}
